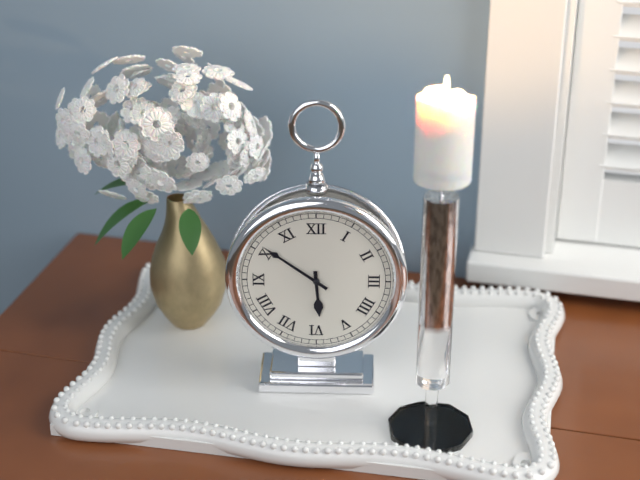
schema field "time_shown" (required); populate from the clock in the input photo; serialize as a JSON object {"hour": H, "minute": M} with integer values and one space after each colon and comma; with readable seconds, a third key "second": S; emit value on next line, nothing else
{"hour": 5, "minute": 51}
